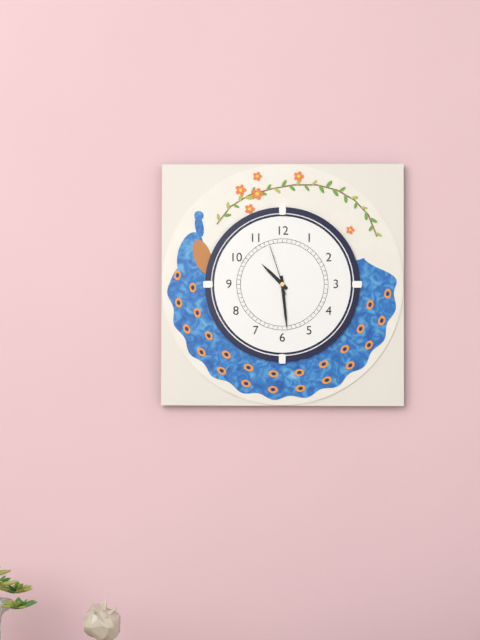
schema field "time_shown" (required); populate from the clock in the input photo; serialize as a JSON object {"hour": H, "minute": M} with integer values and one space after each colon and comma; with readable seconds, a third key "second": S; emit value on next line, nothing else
{"hour": 10, "minute": 29, "second": 57}
